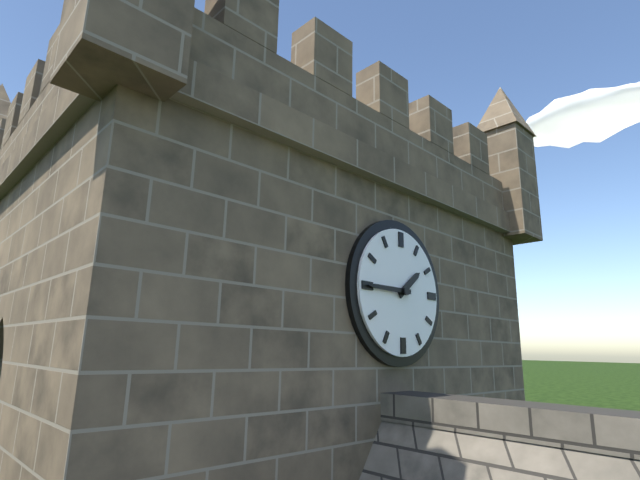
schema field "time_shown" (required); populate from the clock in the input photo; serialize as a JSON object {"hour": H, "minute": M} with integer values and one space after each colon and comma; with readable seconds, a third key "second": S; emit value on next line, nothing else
{"hour": 1, "minute": 45}
